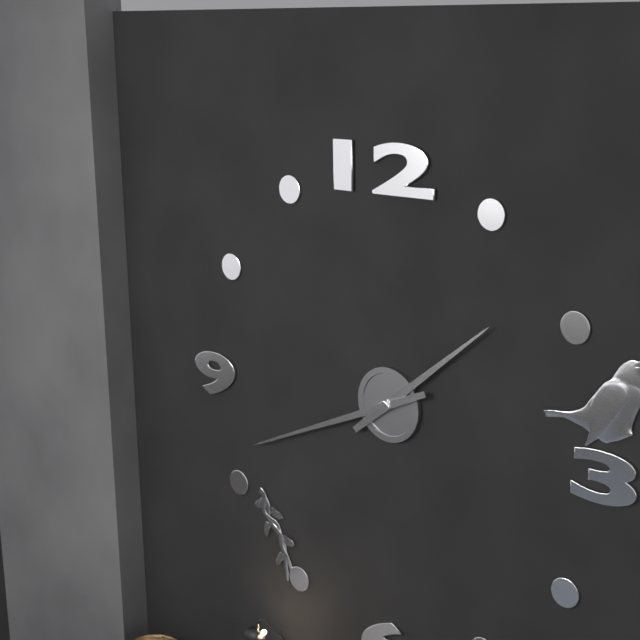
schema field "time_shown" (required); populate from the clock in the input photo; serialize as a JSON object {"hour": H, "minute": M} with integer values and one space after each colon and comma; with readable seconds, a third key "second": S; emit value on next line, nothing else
{"hour": 1, "minute": 41}
